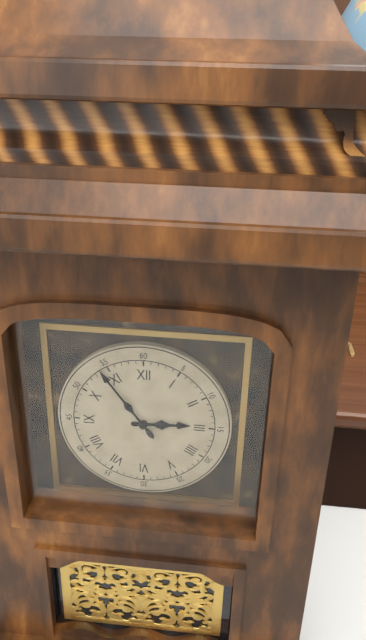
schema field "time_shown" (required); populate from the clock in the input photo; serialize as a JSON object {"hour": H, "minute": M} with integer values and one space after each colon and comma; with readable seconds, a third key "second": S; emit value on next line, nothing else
{"hour": 2, "minute": 54}
